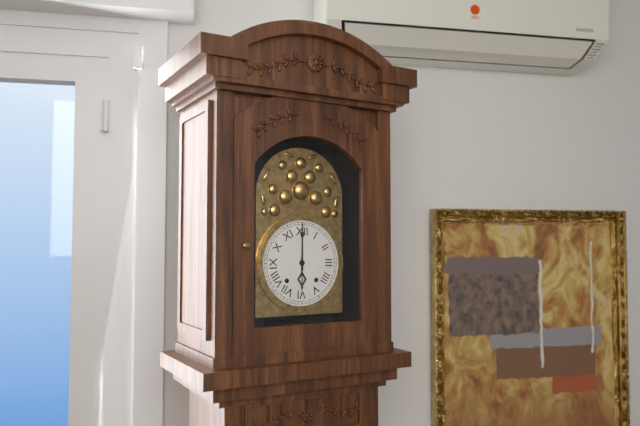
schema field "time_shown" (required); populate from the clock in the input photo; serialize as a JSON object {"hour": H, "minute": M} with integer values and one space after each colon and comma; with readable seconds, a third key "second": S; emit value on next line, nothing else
{"hour": 6, "minute": 0}
